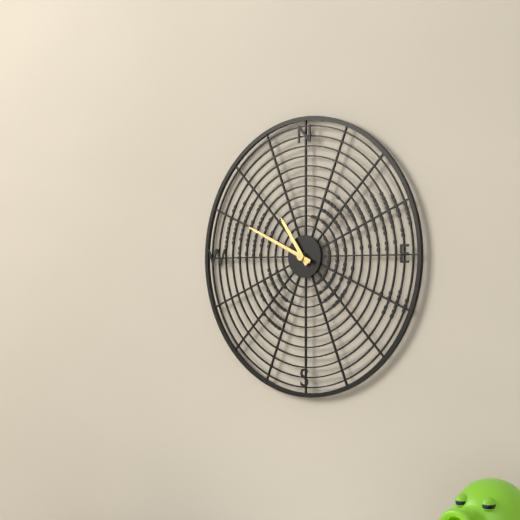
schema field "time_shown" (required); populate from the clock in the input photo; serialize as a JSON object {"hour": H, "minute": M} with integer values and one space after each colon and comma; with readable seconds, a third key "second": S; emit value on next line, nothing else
{"hour": 10, "minute": 49}
